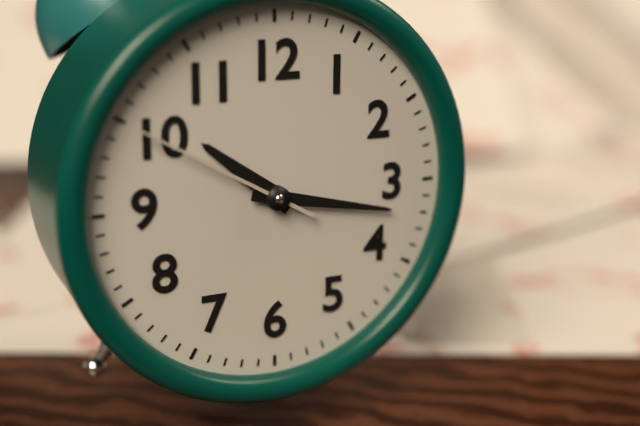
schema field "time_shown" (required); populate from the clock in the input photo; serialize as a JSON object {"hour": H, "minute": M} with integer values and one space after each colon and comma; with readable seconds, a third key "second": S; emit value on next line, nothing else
{"hour": 10, "minute": 17, "second": 50}
